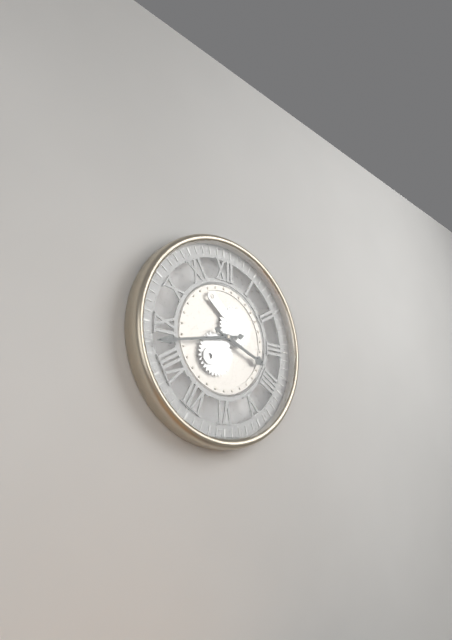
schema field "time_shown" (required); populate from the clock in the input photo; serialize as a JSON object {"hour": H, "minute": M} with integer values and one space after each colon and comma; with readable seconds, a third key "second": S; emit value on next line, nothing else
{"hour": 3, "minute": 43}
